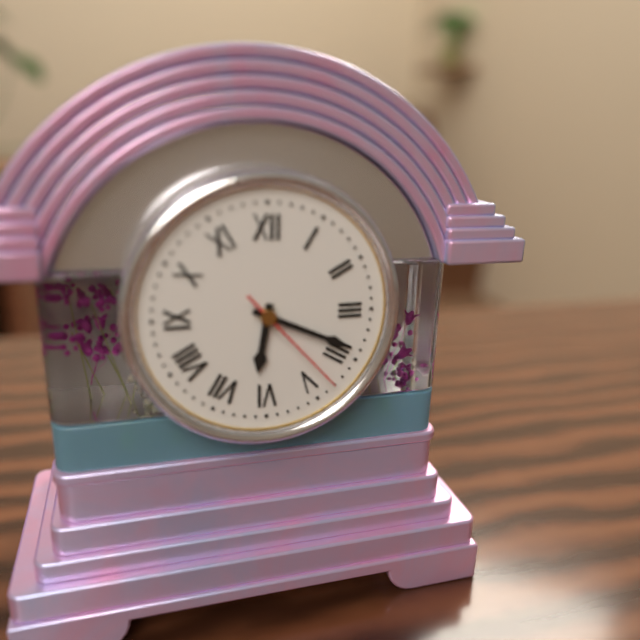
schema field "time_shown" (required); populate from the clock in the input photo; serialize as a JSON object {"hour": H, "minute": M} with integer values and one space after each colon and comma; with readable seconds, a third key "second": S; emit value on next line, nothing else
{"hour": 6, "minute": 19, "second": 23}
